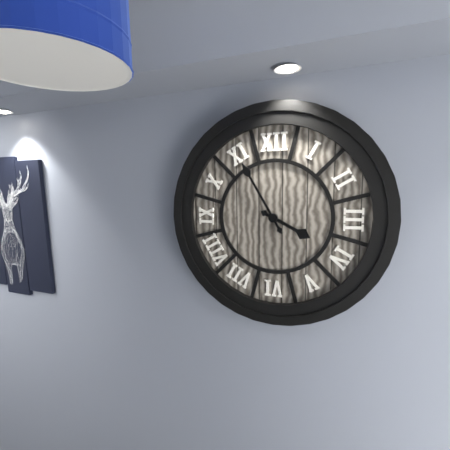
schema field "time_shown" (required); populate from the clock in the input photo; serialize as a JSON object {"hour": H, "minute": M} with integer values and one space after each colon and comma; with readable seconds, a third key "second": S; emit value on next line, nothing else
{"hour": 3, "minute": 55}
